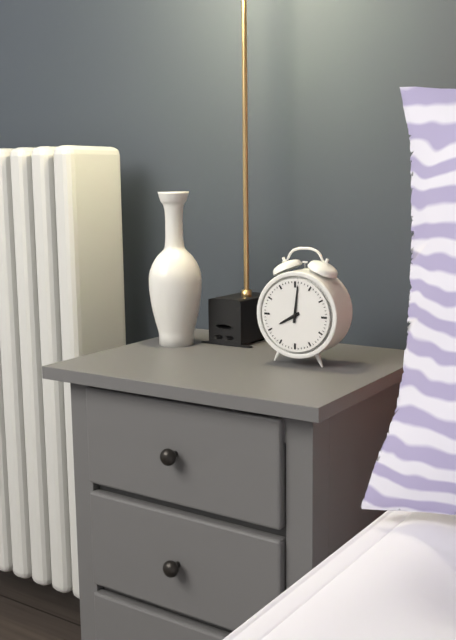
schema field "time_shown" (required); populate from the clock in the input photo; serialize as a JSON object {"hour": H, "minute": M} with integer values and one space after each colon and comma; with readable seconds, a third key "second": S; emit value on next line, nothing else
{"hour": 8, "minute": 1}
